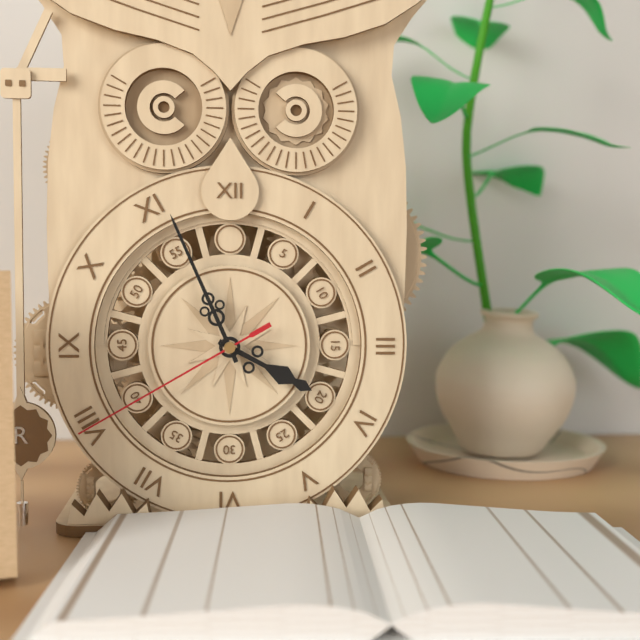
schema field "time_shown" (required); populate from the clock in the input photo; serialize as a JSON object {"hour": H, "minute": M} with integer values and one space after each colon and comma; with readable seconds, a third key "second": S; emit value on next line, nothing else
{"hour": 3, "minute": 56, "second": 40}
